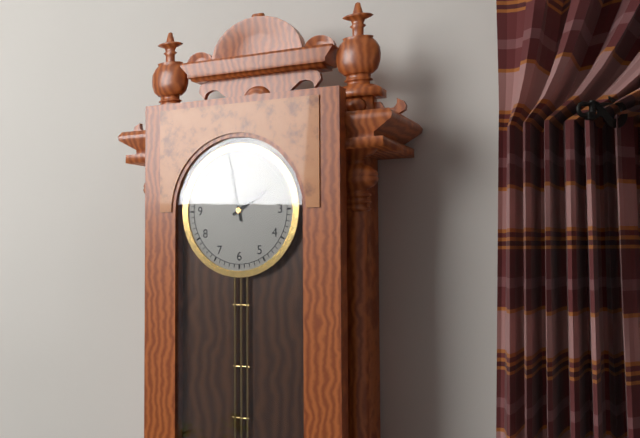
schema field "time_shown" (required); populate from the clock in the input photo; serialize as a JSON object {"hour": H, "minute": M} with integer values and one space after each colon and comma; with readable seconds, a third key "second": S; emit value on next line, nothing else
{"hour": 1, "minute": 58}
